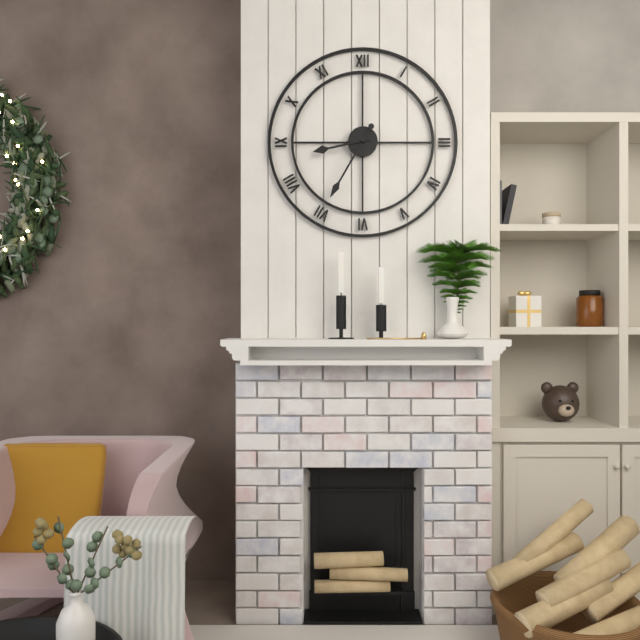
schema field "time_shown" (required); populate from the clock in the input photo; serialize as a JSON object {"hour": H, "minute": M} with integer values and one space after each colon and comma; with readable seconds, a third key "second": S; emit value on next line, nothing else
{"hour": 8, "minute": 35}
